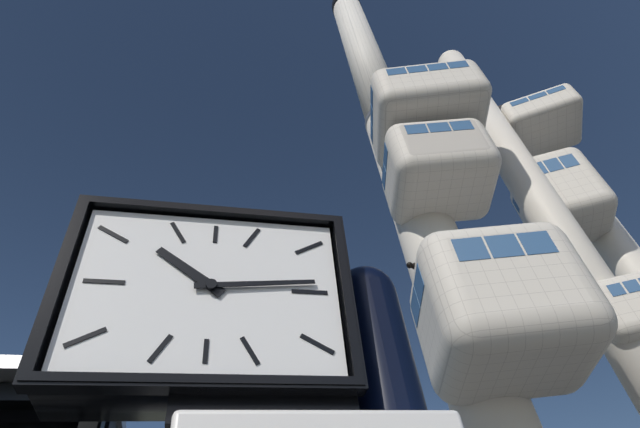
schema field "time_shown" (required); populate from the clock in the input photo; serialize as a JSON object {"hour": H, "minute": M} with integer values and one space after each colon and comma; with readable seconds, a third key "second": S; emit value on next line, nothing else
{"hour": 10, "minute": 14}
